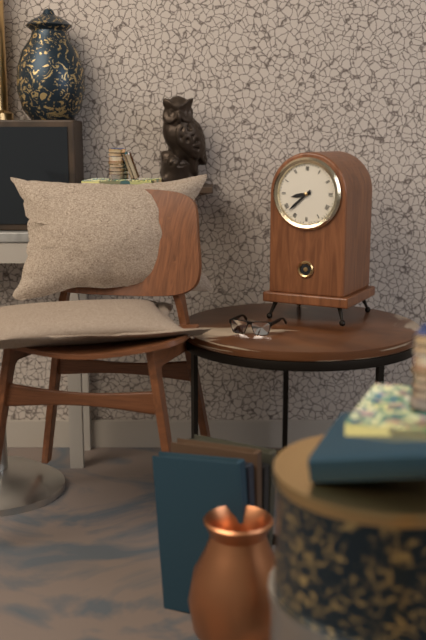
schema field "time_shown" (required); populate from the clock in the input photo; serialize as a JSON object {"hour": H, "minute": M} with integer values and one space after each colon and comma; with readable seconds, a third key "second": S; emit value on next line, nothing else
{"hour": 8, "minute": 38}
